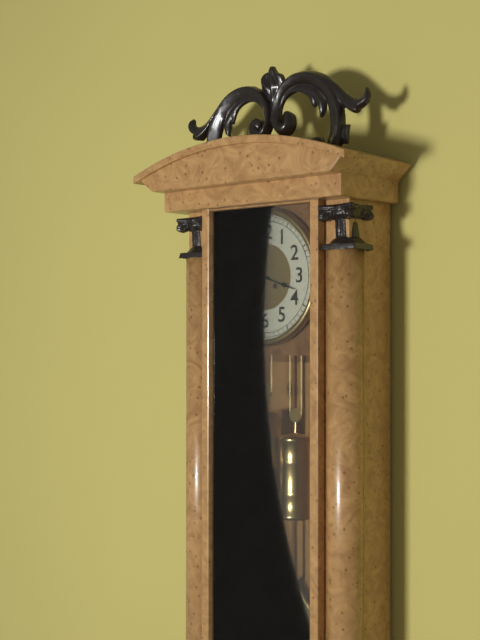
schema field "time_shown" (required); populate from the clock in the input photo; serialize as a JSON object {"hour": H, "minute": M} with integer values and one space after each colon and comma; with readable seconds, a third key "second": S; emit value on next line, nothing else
{"hour": 9, "minute": 18}
